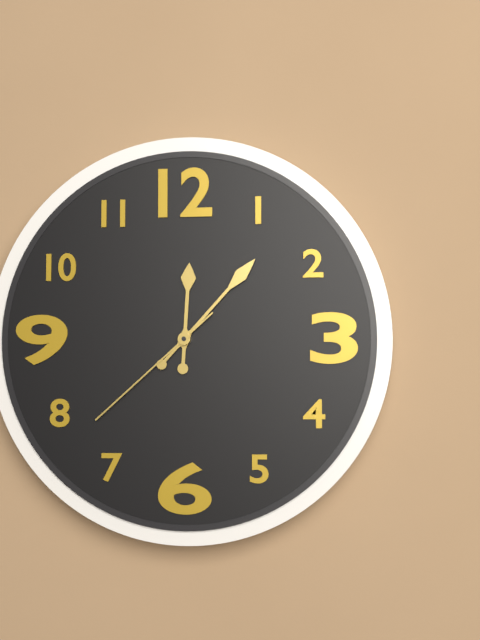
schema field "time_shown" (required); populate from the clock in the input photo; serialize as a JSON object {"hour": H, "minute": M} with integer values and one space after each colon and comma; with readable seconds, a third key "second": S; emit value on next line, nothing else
{"hour": 12, "minute": 7, "second": 38}
